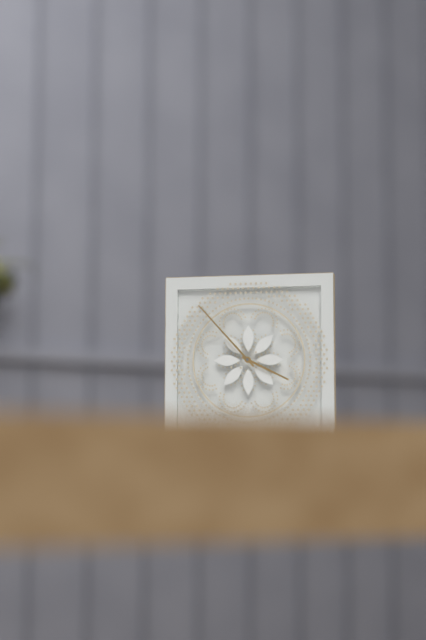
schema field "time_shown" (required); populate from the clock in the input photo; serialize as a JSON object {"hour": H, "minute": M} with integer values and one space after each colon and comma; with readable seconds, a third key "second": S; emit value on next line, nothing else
{"hour": 3, "minute": 53}
